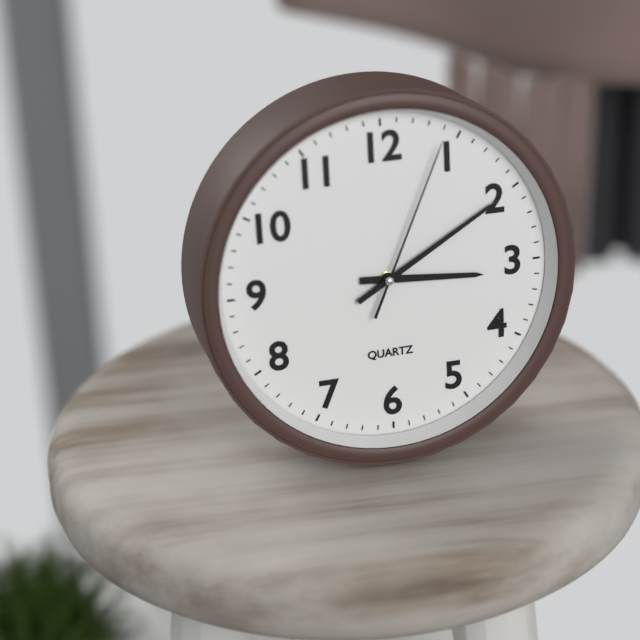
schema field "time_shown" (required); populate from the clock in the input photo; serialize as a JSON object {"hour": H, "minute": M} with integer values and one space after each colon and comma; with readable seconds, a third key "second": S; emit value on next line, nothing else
{"hour": 3, "minute": 10, "second": 4}
